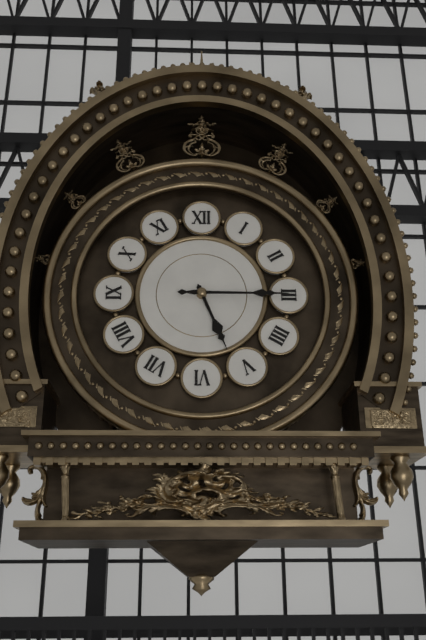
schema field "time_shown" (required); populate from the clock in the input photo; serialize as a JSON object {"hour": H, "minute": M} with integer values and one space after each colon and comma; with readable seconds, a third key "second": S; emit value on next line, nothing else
{"hour": 5, "minute": 15}
